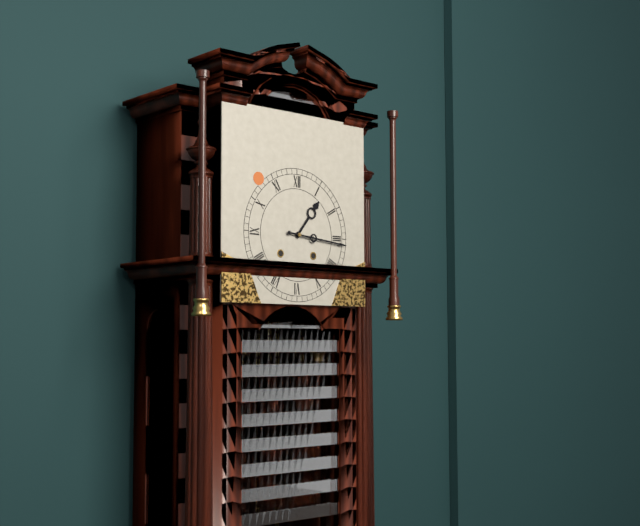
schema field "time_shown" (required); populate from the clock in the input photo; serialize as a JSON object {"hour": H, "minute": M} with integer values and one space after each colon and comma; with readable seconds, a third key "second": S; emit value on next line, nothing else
{"hour": 1, "minute": 16}
